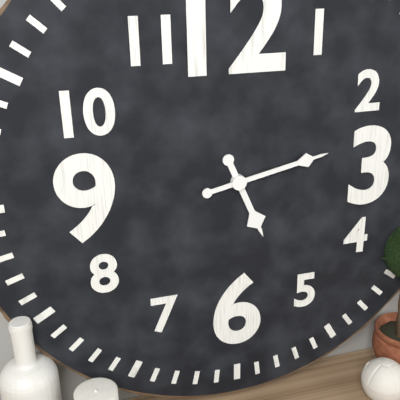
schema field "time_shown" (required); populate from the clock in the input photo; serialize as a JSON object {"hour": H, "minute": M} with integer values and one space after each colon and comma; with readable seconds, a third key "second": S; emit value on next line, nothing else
{"hour": 5, "minute": 13}
